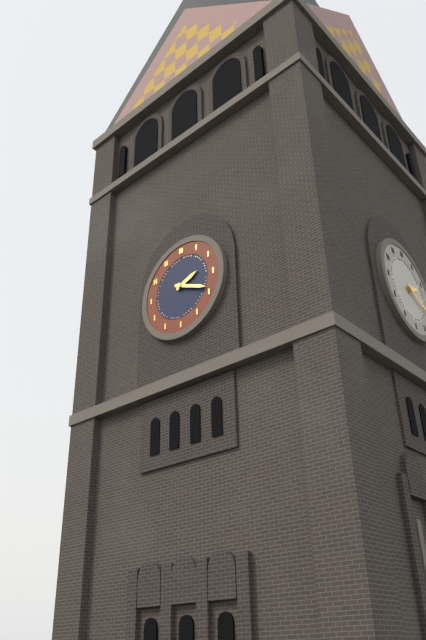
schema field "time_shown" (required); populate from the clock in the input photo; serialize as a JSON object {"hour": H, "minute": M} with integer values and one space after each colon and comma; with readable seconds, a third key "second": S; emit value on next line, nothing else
{"hour": 2, "minute": 19}
